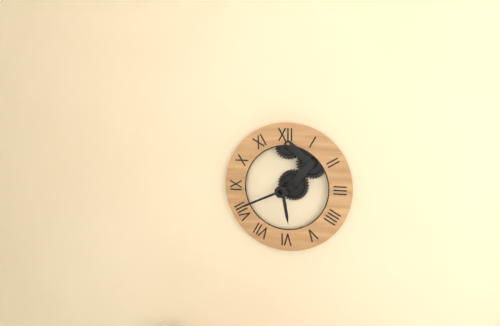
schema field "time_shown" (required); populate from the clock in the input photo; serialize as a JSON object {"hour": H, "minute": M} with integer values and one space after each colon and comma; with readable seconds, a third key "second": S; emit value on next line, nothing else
{"hour": 5, "minute": 41}
